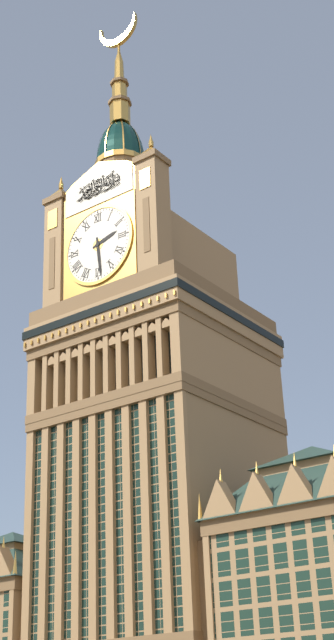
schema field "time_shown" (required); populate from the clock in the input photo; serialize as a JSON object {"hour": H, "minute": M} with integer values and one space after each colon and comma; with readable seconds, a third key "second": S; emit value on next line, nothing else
{"hour": 2, "minute": 29}
